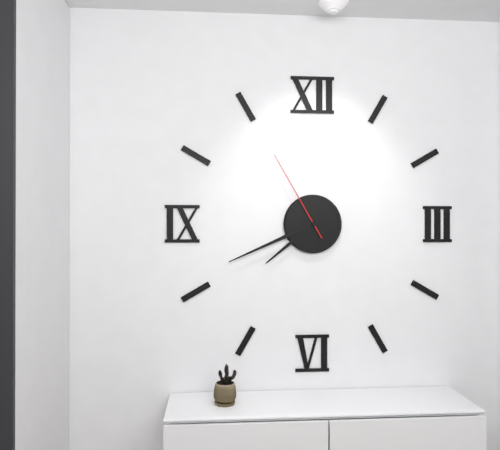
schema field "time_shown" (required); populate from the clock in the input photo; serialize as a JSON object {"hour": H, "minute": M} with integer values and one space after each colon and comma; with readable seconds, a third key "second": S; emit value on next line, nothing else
{"hour": 7, "minute": 41, "second": 55}
